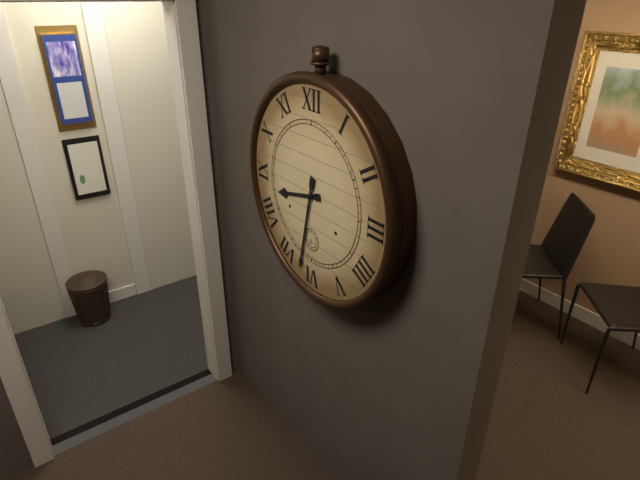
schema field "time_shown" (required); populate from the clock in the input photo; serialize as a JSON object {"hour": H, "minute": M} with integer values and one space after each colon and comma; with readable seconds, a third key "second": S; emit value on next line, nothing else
{"hour": 8, "minute": 32}
